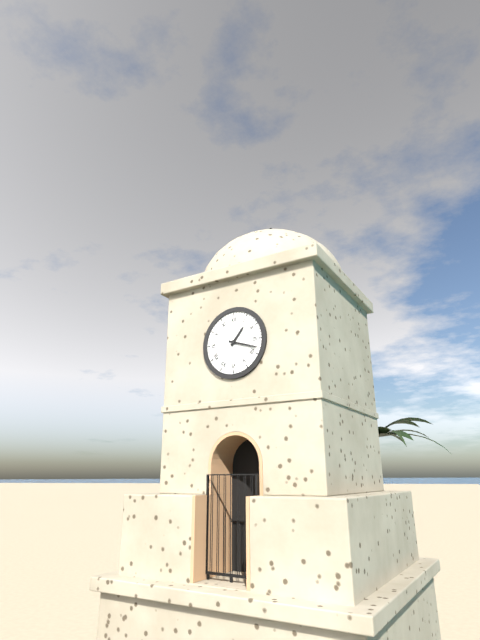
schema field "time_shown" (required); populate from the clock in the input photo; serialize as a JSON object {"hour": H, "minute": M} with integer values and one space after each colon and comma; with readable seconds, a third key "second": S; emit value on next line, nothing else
{"hour": 1, "minute": 18}
